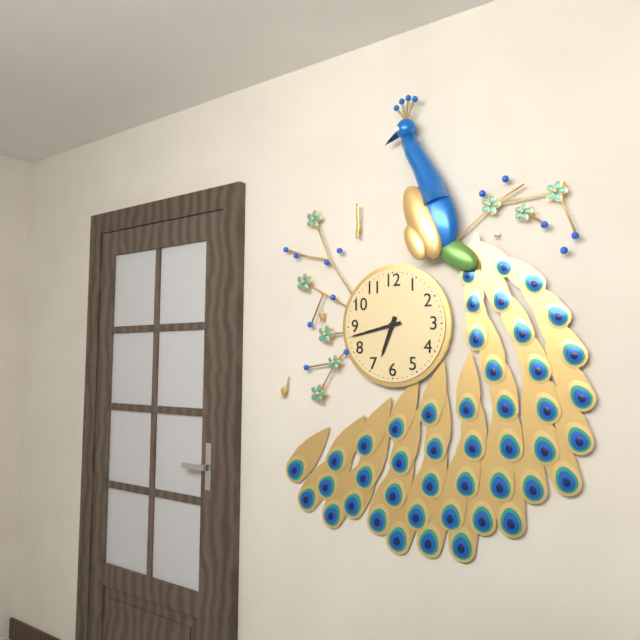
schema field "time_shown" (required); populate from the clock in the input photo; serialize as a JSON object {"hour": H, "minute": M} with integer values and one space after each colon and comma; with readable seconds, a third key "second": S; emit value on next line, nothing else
{"hour": 6, "minute": 43}
